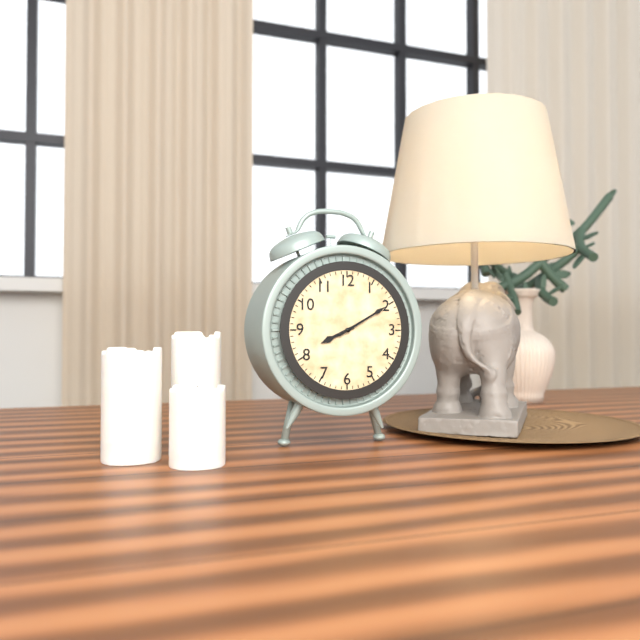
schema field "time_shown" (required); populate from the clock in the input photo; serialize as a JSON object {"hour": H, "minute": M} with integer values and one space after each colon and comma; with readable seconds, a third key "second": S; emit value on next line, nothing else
{"hour": 8, "minute": 10}
